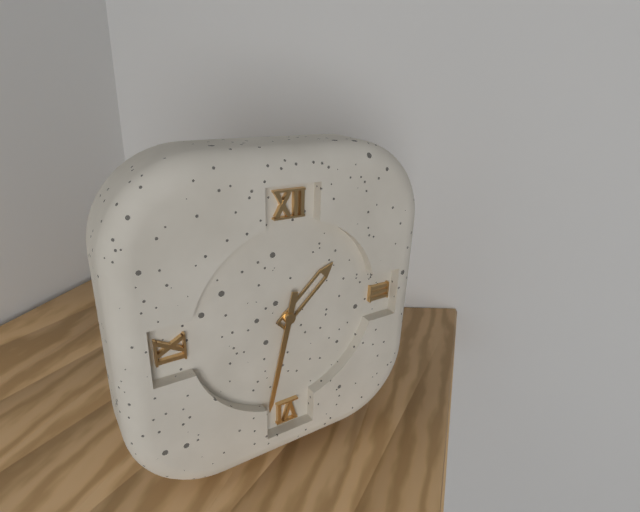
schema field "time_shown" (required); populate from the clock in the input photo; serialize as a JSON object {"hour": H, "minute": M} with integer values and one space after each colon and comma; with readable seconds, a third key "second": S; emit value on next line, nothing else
{"hour": 1, "minute": 32}
